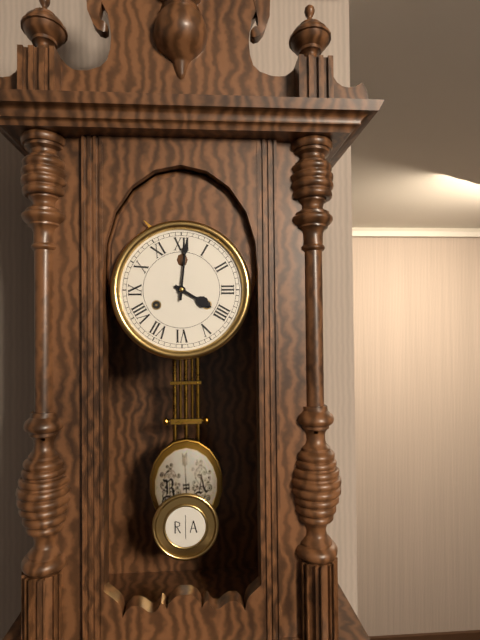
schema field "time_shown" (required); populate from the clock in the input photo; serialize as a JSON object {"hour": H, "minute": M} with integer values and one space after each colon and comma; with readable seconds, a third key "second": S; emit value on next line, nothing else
{"hour": 4, "minute": 1}
